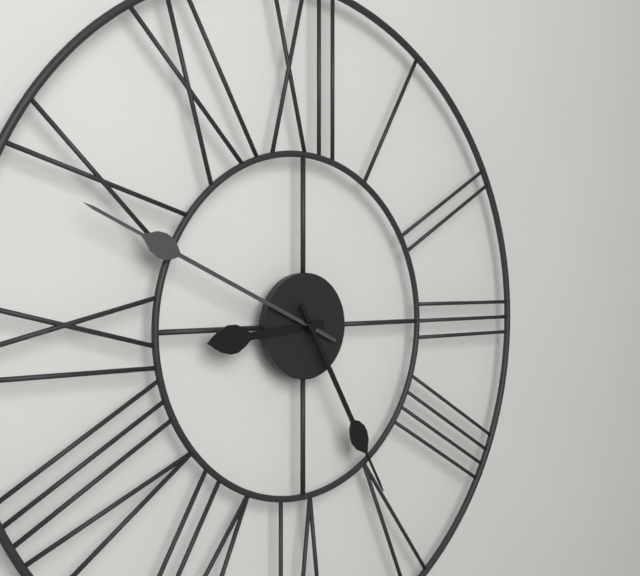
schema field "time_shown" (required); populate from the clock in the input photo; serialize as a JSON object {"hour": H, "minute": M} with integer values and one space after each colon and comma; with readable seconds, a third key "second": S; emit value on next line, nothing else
{"hour": 8, "minute": 49, "second": 25}
